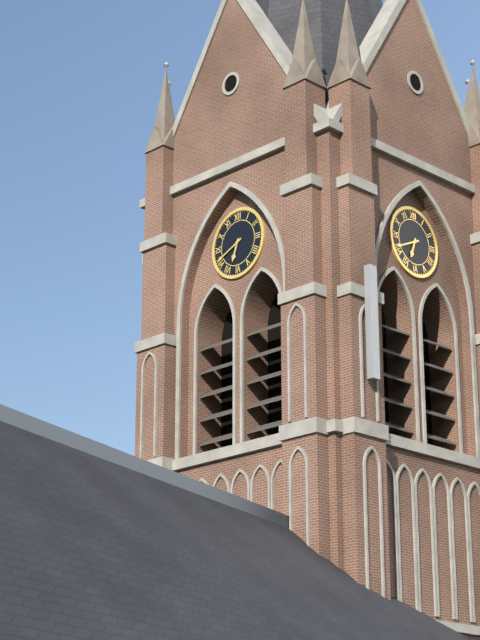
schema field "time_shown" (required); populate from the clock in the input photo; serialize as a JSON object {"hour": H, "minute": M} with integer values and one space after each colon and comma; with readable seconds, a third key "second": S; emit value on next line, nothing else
{"hour": 6, "minute": 41}
